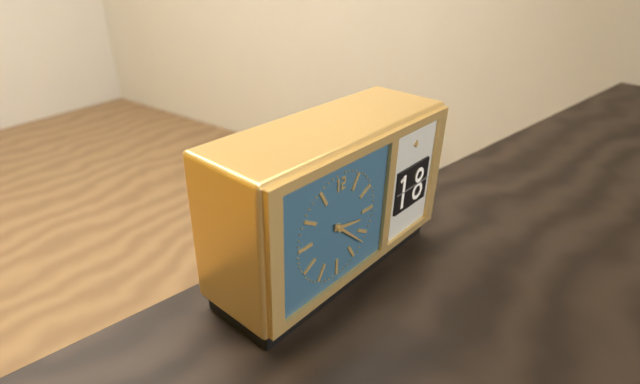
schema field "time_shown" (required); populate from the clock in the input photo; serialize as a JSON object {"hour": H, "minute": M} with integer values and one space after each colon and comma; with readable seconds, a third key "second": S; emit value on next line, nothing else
{"hour": 3, "minute": 22}
